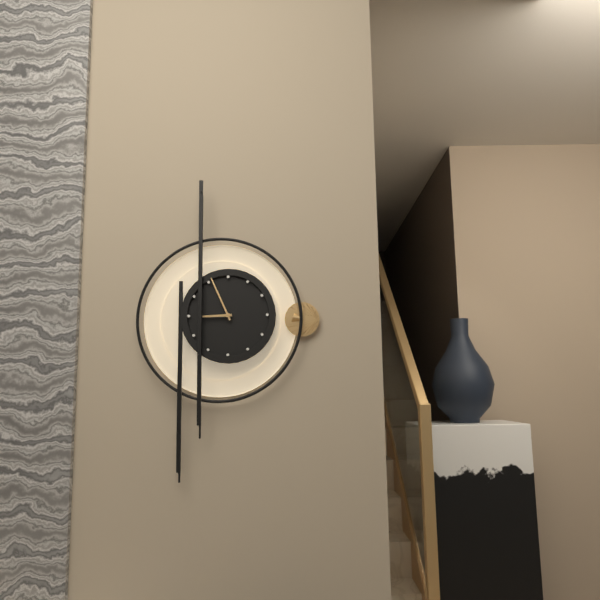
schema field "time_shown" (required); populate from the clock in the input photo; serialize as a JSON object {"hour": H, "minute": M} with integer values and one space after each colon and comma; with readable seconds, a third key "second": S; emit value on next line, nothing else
{"hour": 8, "minute": 56}
